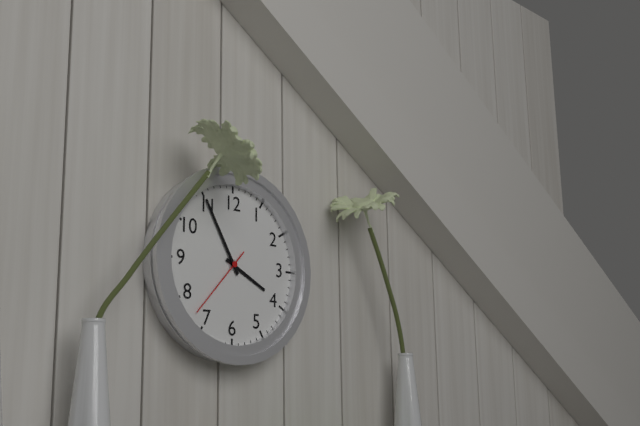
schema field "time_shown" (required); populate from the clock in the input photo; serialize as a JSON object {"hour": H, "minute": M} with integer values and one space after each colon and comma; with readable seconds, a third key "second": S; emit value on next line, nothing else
{"hour": 3, "minute": 55, "second": 37}
